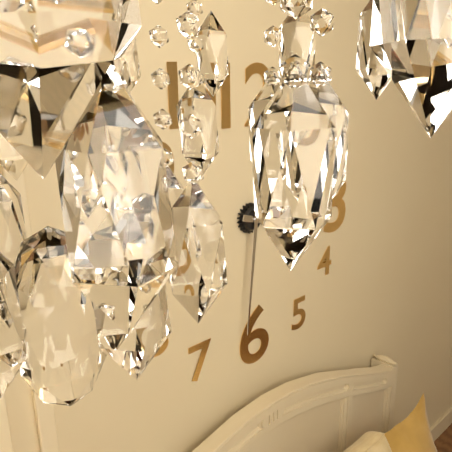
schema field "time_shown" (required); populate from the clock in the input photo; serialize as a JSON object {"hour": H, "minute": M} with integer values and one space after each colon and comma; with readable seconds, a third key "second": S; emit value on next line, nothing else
{"hour": 3, "minute": 31}
